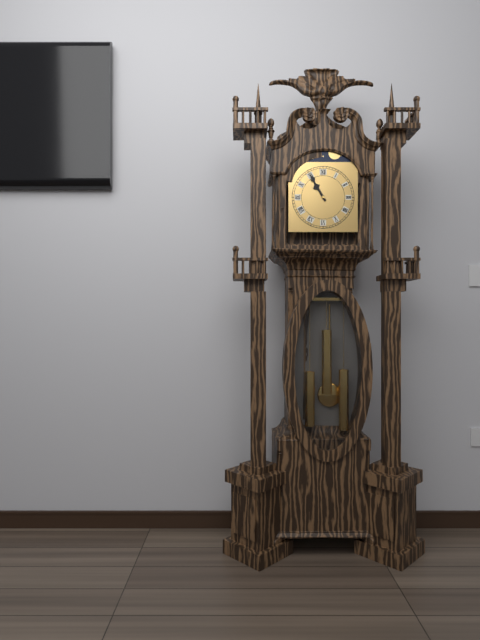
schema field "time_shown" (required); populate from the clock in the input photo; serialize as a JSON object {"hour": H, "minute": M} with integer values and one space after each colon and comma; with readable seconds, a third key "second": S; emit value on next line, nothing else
{"hour": 10, "minute": 55}
